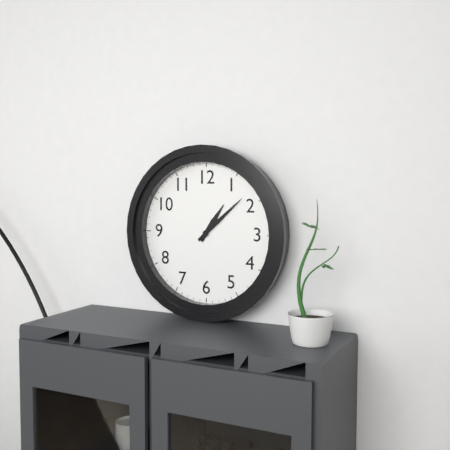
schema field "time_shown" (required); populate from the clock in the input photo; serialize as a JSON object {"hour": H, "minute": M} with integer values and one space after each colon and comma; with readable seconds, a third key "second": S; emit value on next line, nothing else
{"hour": 1, "minute": 8}
